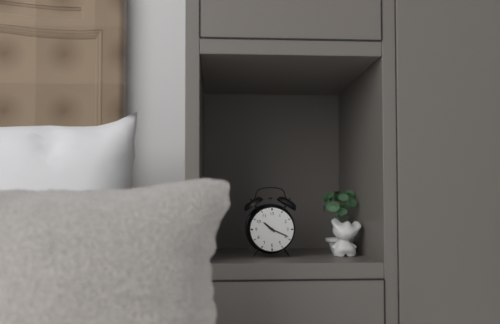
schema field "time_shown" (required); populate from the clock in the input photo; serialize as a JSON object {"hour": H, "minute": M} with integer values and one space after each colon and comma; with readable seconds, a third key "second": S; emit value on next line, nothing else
{"hour": 10, "minute": 19}
